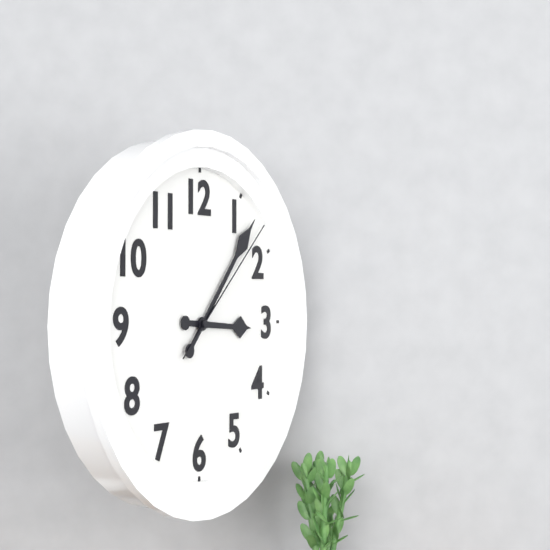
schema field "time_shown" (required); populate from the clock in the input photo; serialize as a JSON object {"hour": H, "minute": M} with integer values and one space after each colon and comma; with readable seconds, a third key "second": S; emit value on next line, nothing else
{"hour": 3, "minute": 7, "second": 8}
